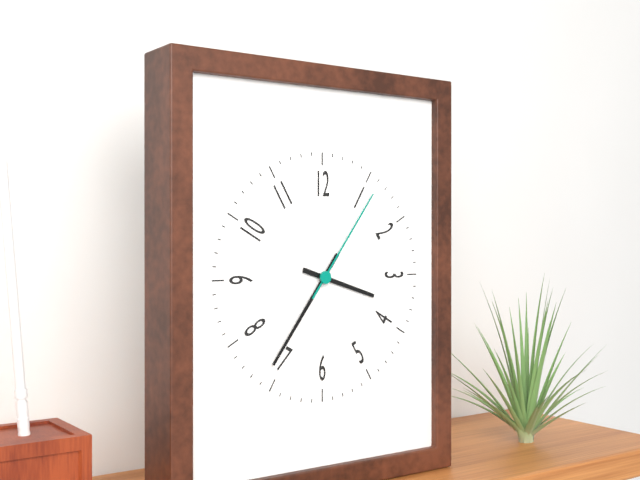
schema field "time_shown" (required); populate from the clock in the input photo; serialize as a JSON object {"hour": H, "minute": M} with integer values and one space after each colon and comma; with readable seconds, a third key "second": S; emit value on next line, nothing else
{"hour": 3, "minute": 36, "second": 6}
